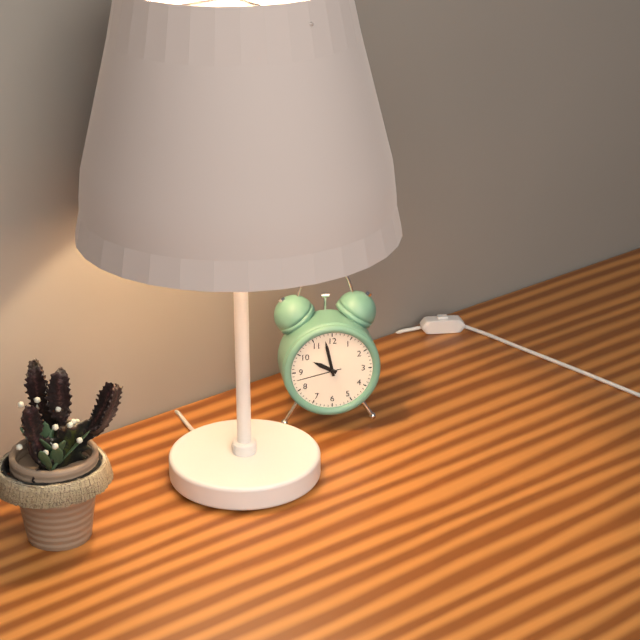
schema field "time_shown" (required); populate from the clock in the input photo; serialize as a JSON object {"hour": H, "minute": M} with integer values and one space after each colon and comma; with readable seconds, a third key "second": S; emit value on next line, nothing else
{"hour": 9, "minute": 58}
